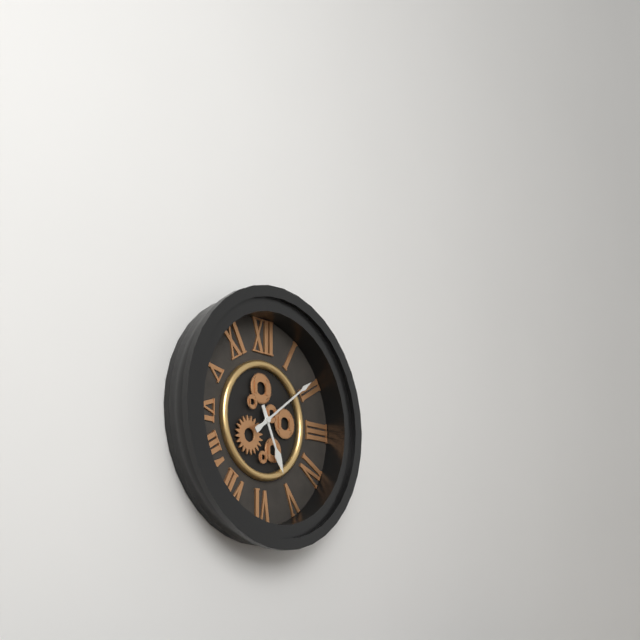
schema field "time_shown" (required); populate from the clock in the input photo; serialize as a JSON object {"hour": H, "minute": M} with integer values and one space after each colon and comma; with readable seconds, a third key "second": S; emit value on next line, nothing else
{"hour": 5, "minute": 9}
